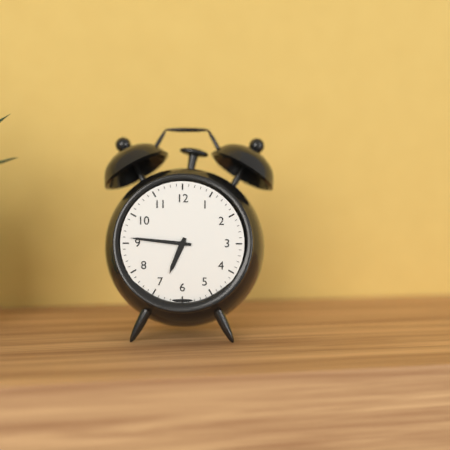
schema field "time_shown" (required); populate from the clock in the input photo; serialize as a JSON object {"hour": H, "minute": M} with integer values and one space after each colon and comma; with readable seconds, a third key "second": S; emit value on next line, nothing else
{"hour": 6, "minute": 46}
